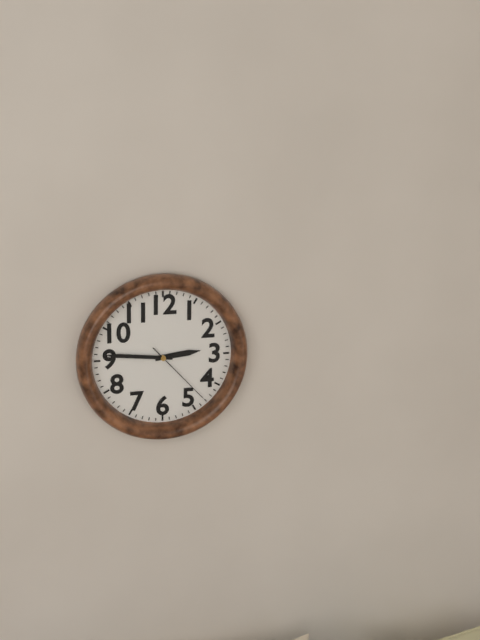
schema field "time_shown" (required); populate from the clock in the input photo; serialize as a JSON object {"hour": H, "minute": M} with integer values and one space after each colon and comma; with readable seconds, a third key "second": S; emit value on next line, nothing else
{"hour": 2, "minute": 46, "second": 23}
